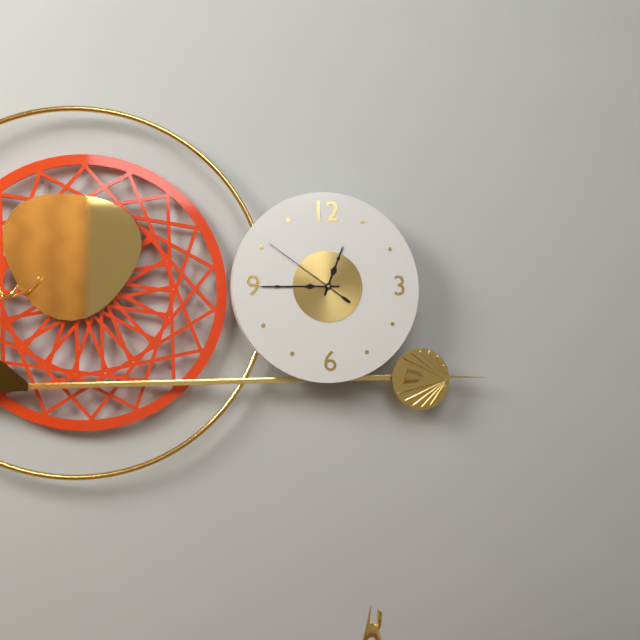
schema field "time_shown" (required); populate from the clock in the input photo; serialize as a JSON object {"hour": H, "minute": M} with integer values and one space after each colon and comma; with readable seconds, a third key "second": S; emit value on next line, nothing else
{"hour": 12, "minute": 45, "second": 51}
